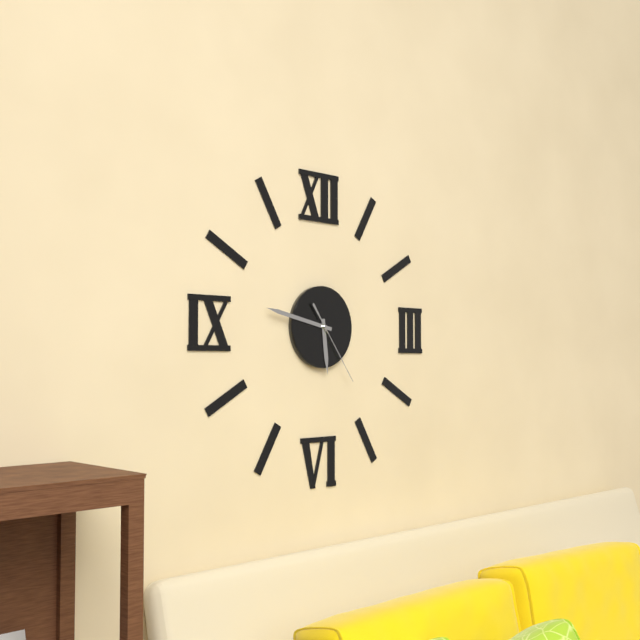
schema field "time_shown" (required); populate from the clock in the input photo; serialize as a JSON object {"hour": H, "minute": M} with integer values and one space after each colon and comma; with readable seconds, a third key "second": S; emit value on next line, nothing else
{"hour": 5, "minute": 47, "second": 24}
